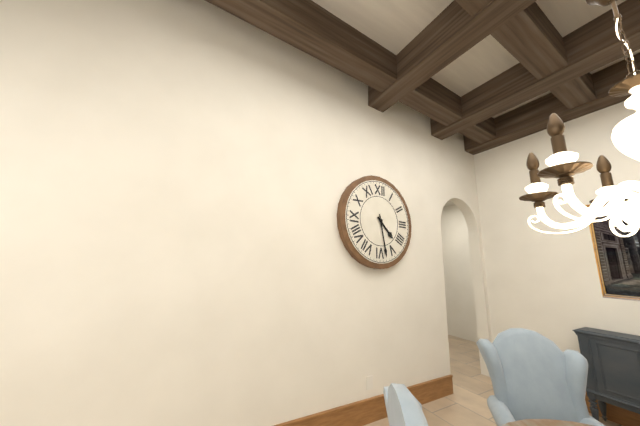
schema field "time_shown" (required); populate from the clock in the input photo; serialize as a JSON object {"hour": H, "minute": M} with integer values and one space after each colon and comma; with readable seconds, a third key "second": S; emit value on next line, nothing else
{"hour": 4, "minute": 28}
